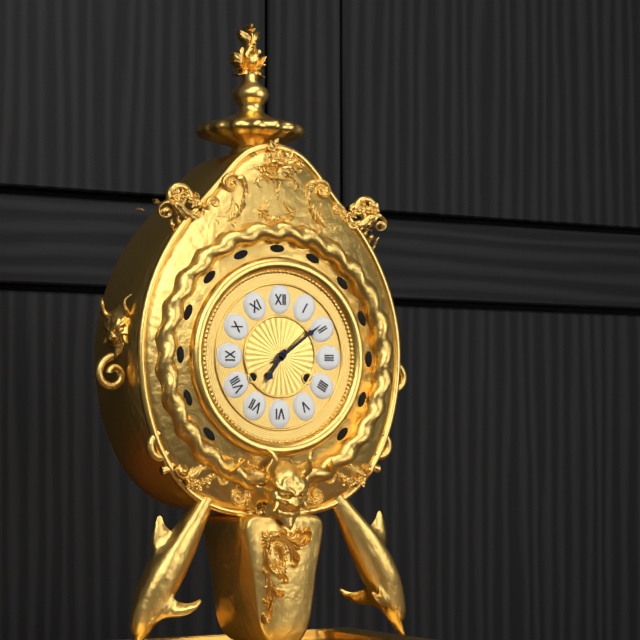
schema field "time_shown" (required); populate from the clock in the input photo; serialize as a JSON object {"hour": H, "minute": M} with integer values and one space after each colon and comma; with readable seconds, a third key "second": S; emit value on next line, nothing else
{"hour": 7, "minute": 9}
